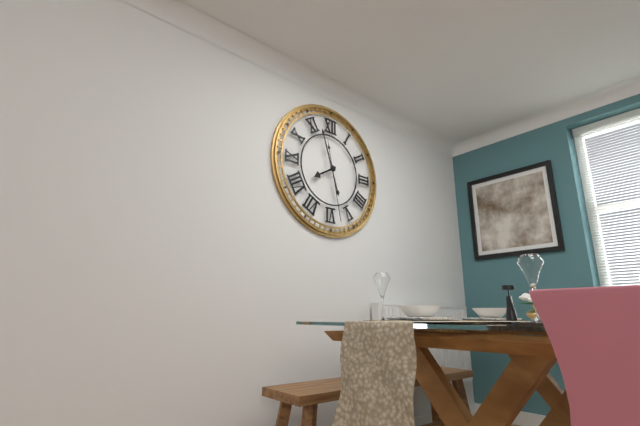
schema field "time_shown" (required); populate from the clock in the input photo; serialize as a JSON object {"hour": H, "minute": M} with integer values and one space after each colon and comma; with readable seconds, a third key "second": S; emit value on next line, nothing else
{"hour": 7, "minute": 57, "second": 28}
